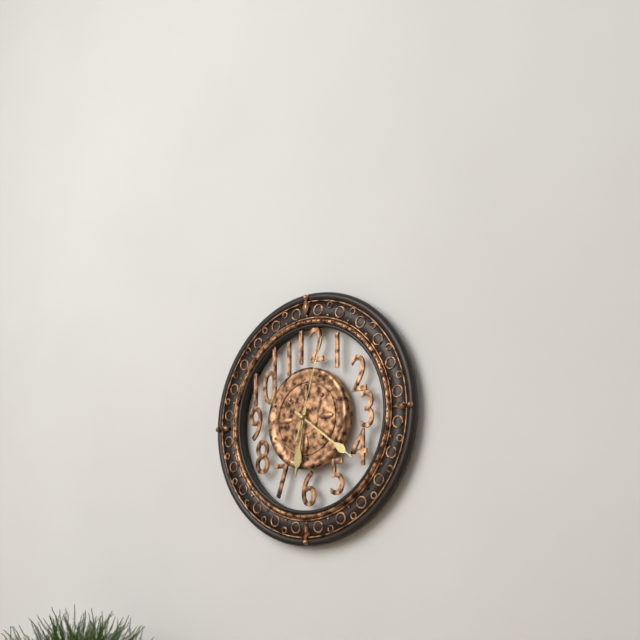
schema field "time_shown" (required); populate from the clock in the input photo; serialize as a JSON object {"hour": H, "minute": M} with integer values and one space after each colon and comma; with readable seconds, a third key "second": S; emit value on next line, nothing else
{"hour": 6, "minute": 21, "second": 3}
